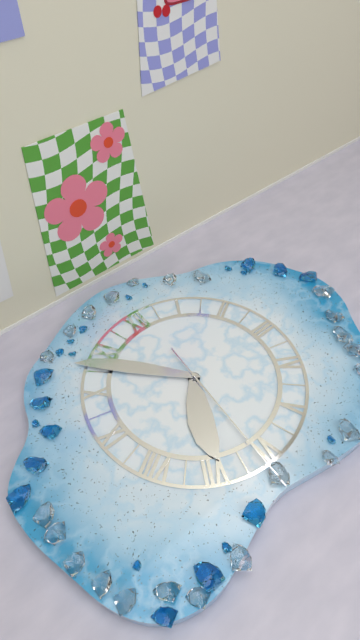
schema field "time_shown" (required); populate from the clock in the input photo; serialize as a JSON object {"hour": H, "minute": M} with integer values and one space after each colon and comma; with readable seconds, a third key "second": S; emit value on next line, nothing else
{"hour": 6, "minute": 53, "second": 31}
